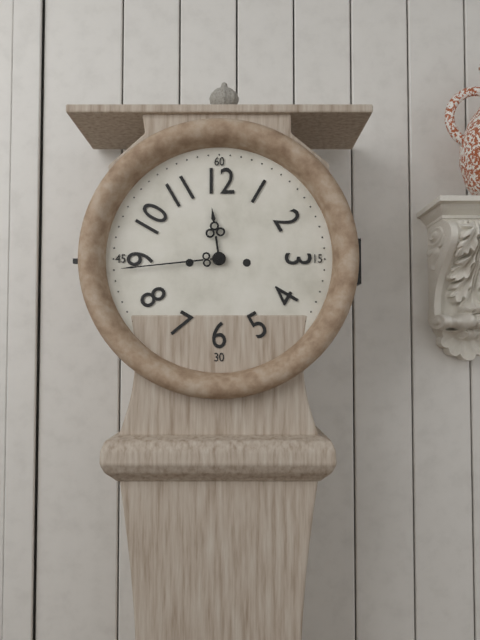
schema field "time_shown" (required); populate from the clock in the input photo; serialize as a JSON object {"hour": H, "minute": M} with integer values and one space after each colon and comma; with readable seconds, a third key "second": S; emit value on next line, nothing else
{"hour": 11, "minute": 44}
